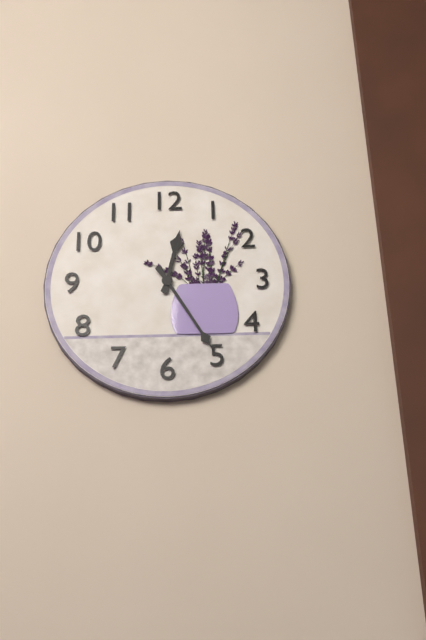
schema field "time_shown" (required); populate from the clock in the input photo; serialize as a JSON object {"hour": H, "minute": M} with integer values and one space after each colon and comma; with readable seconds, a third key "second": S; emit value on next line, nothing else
{"hour": 12, "minute": 25}
